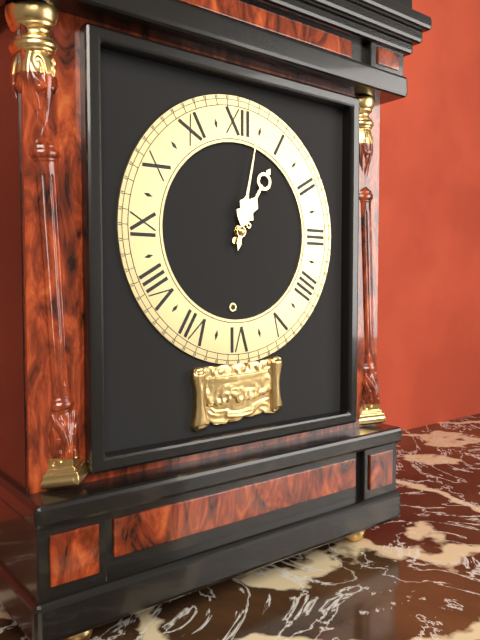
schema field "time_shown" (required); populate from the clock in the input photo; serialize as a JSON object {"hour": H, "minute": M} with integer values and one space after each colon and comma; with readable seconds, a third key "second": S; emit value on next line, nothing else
{"hour": 1, "minute": 2}
